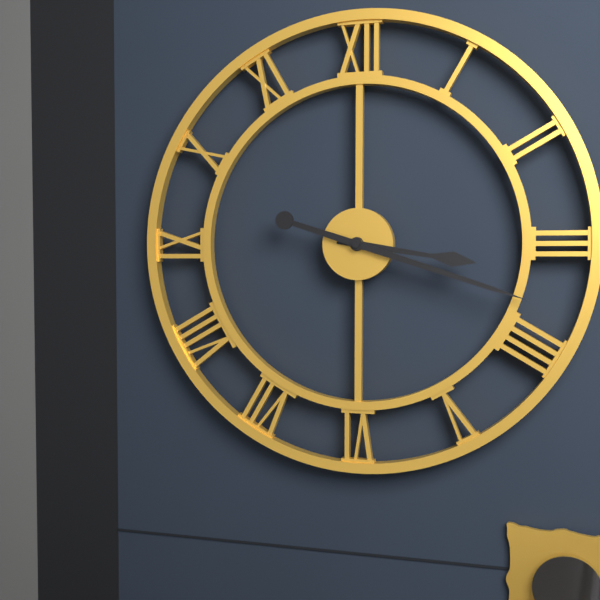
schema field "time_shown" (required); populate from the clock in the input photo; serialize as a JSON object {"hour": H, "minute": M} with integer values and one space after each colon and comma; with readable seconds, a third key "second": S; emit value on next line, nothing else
{"hour": 3, "minute": 18}
